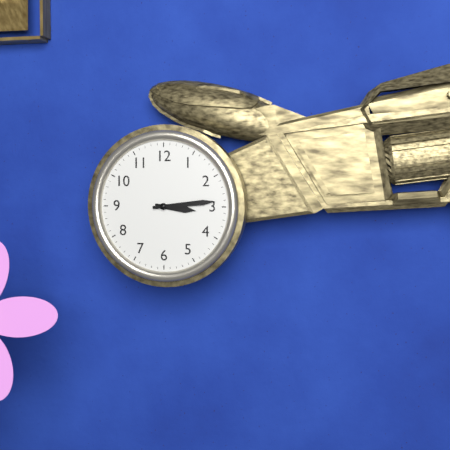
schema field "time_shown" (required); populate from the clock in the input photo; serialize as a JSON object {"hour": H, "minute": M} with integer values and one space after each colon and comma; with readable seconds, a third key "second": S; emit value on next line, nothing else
{"hour": 3, "minute": 14}
